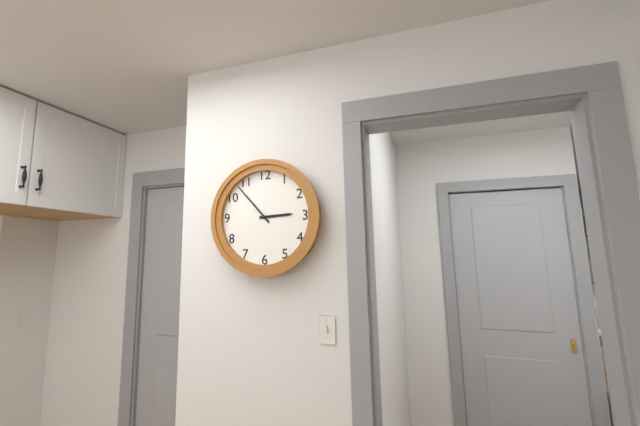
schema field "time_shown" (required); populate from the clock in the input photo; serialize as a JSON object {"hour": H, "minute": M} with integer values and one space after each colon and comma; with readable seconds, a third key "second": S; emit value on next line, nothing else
{"hour": 2, "minute": 53}
